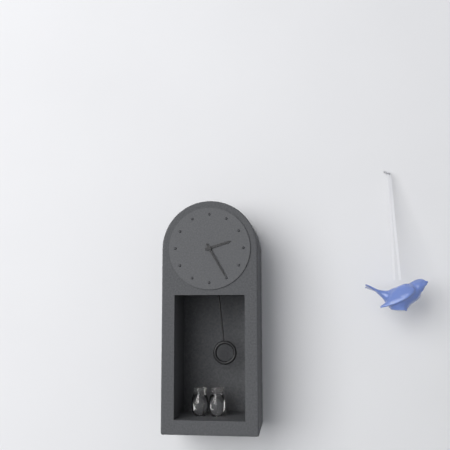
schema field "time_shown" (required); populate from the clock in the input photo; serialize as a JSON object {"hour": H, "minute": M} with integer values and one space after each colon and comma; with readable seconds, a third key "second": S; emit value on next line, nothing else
{"hour": 2, "minute": 25}
